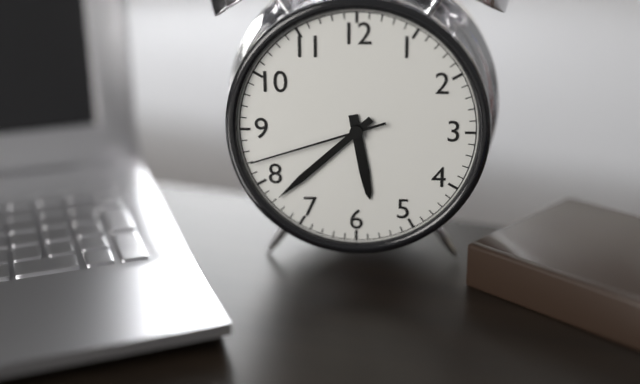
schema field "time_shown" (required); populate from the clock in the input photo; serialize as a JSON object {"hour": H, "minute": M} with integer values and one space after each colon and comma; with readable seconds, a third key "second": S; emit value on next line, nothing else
{"hour": 5, "minute": 38, "second": 42}
